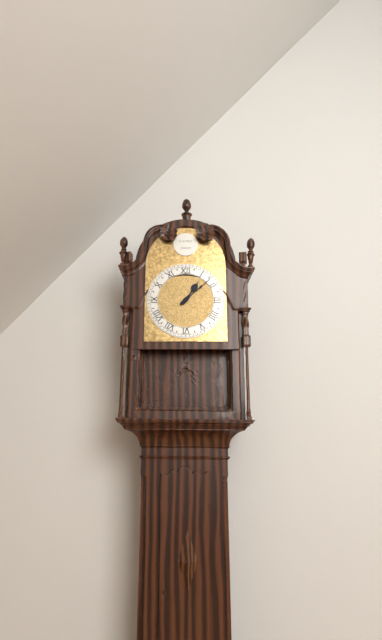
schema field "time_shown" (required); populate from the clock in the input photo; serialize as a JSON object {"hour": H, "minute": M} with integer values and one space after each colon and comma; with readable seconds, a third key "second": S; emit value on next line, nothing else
{"hour": 1, "minute": 8}
